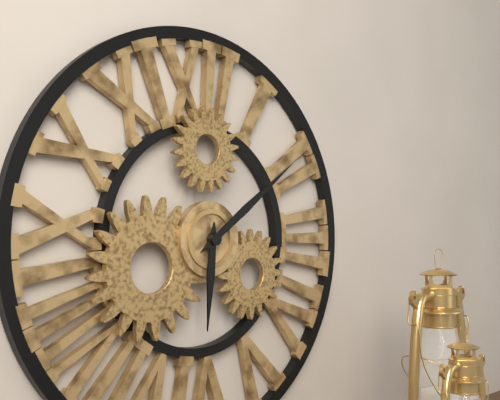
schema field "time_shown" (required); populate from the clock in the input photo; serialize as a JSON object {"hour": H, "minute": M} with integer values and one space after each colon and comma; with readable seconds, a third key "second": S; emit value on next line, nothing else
{"hour": 6, "minute": 9}
